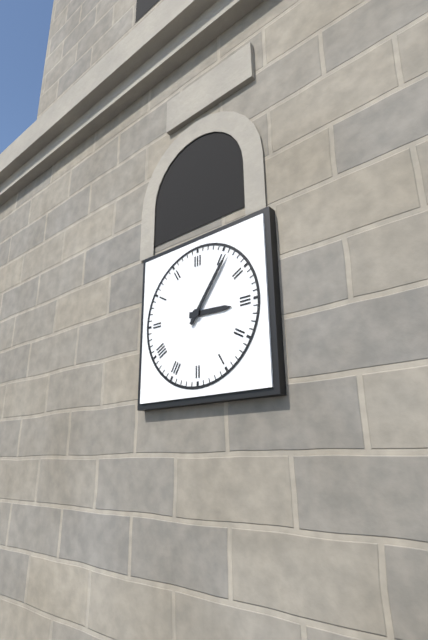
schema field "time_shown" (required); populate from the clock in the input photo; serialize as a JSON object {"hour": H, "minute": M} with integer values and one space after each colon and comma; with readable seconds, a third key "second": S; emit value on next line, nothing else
{"hour": 3, "minute": 6}
